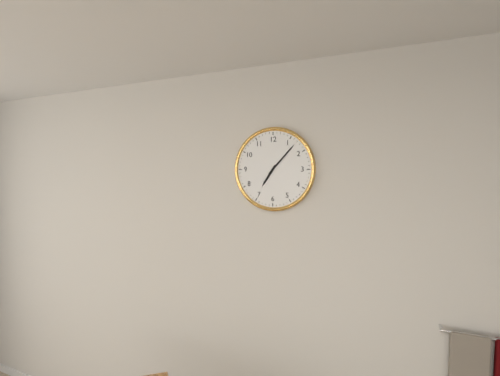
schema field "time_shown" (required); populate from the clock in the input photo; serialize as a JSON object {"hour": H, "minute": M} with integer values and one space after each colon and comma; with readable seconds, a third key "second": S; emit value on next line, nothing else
{"hour": 7, "minute": 7}
